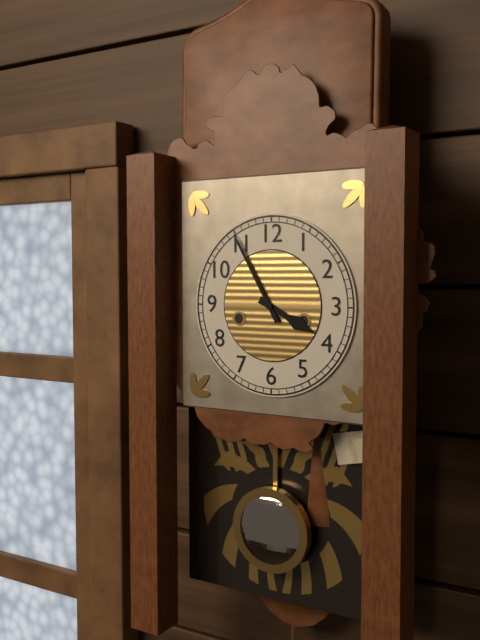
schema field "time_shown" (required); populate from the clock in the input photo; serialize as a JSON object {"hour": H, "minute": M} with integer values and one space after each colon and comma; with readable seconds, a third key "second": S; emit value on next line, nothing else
{"hour": 3, "minute": 55}
